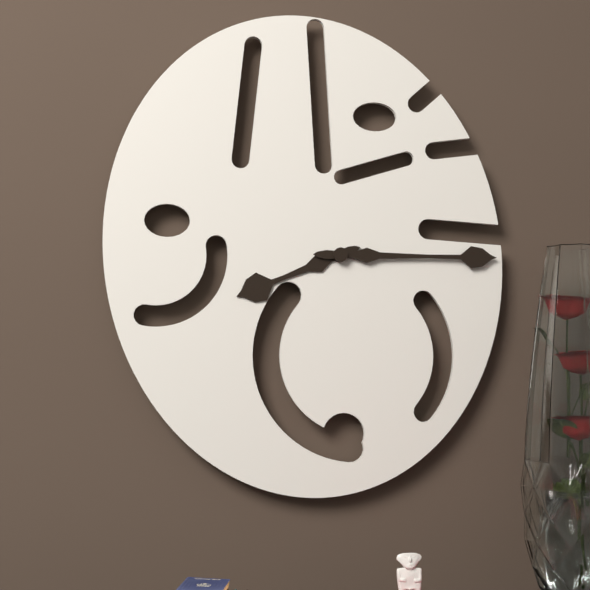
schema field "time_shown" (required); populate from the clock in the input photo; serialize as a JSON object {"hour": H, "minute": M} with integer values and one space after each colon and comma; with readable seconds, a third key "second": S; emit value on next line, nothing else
{"hour": 8, "minute": 15}
